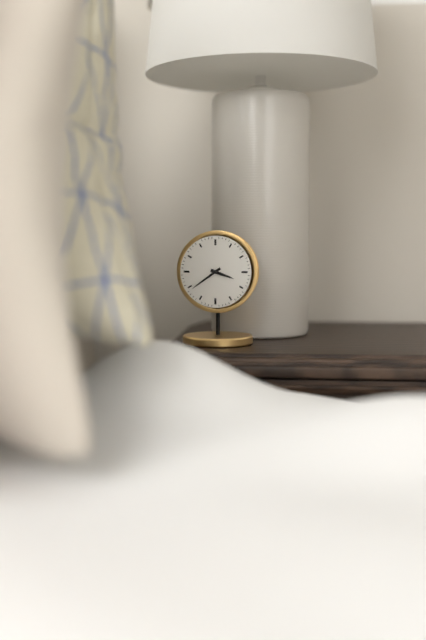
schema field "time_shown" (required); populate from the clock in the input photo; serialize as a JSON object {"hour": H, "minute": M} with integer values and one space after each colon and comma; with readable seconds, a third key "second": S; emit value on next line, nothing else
{"hour": 3, "minute": 39}
